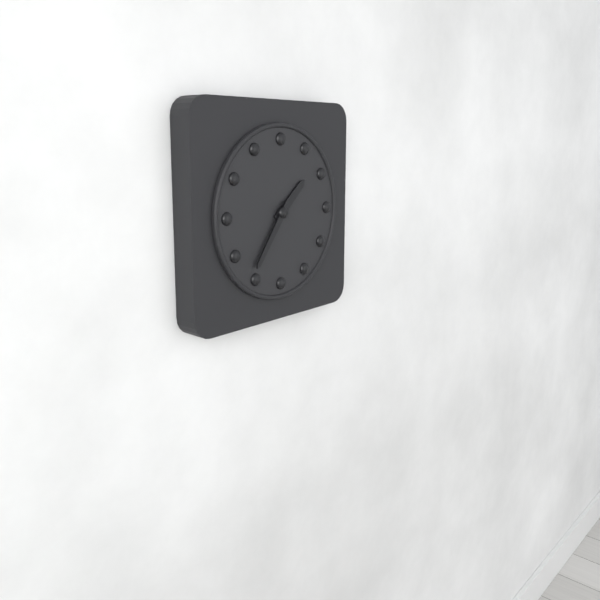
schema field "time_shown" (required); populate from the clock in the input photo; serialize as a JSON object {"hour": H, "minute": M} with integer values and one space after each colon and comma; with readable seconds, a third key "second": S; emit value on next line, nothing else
{"hour": 1, "minute": 36}
